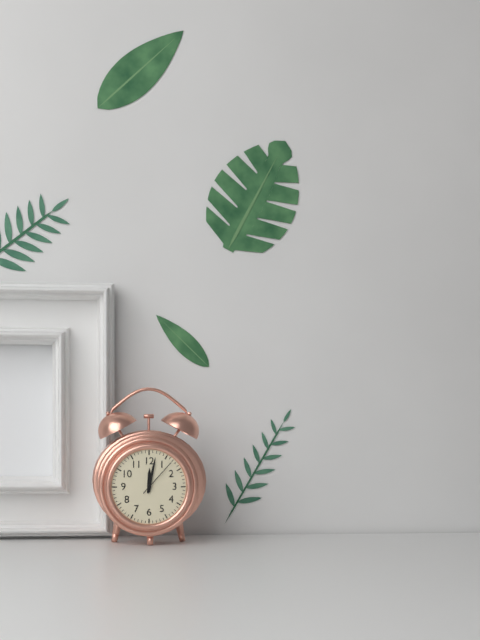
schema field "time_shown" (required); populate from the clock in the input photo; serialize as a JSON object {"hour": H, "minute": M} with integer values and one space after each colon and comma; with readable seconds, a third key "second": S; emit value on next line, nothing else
{"hour": 12, "minute": 2}
